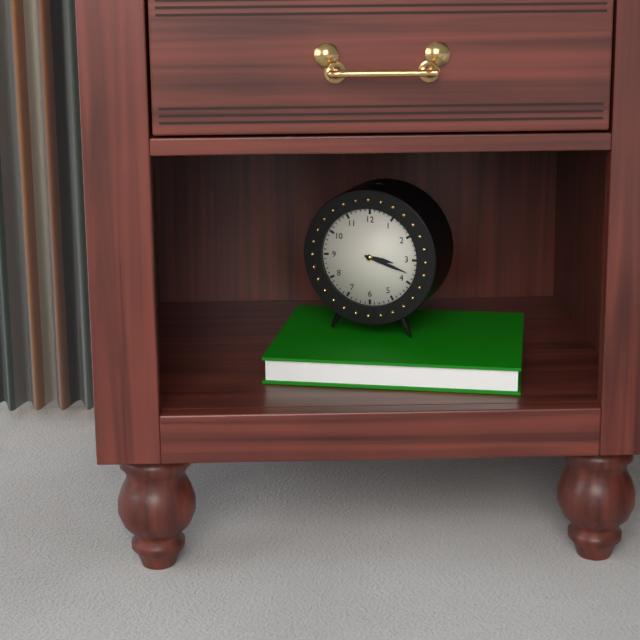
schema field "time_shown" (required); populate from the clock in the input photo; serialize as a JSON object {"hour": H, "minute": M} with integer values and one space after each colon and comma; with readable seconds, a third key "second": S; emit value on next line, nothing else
{"hour": 3, "minute": 18}
